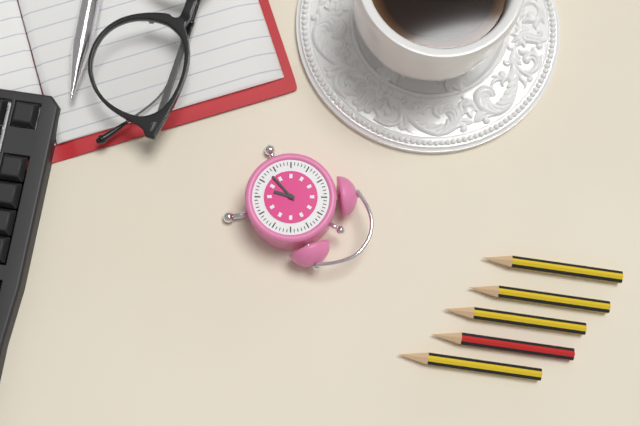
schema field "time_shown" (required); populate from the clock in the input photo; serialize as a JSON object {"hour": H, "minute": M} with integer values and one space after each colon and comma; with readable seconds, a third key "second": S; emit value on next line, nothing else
{"hour": 5, "minute": 33}
